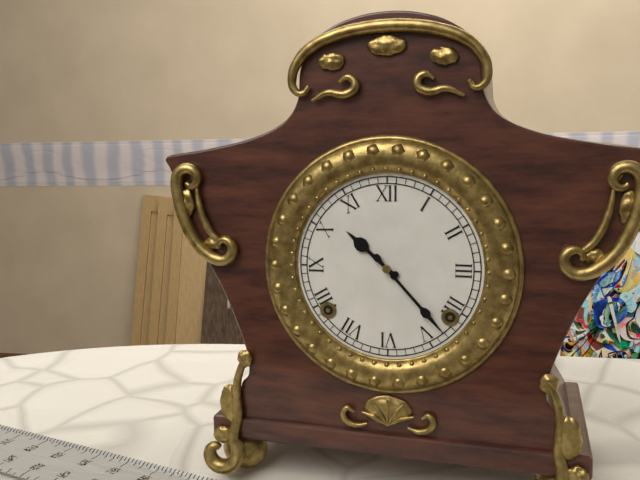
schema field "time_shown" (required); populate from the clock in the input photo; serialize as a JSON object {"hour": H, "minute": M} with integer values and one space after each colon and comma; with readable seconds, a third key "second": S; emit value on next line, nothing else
{"hour": 10, "minute": 23}
